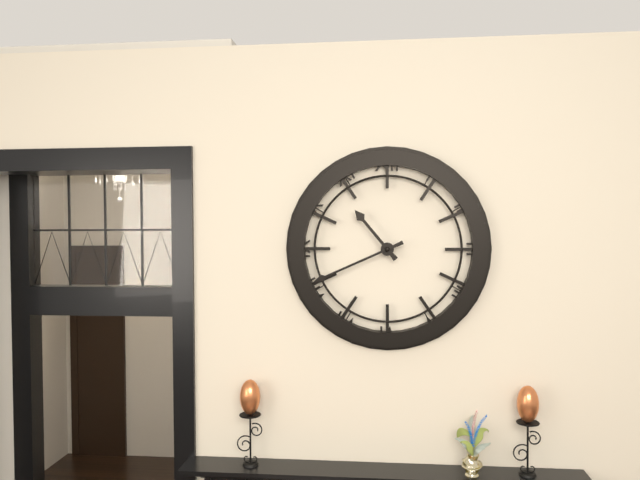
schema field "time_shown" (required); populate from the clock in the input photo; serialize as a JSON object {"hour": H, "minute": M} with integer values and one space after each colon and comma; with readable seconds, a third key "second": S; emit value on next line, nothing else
{"hour": 10, "minute": 41}
